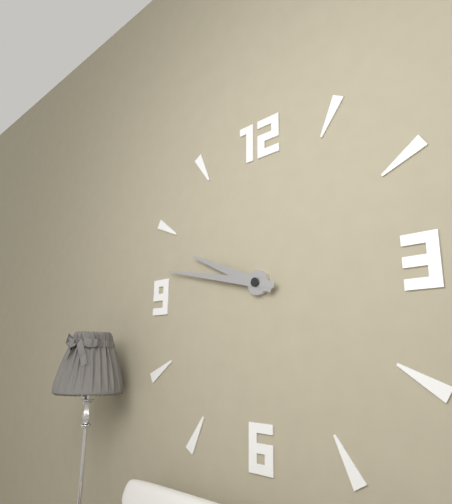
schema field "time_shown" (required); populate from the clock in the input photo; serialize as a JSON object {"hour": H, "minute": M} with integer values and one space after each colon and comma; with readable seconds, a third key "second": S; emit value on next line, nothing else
{"hour": 9, "minute": 47}
